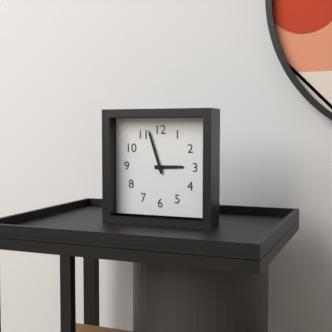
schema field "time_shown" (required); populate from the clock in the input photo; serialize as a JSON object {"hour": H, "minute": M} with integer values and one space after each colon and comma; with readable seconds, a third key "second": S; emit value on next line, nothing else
{"hour": 2, "minute": 57}
